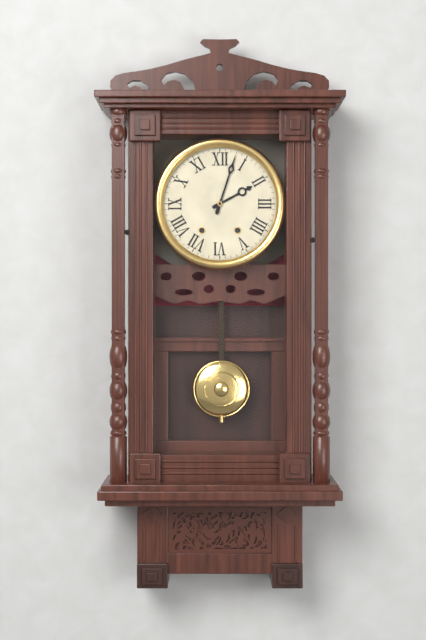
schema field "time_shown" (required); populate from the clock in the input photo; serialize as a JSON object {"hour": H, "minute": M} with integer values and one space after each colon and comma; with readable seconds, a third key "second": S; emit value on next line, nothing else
{"hour": 2, "minute": 3}
